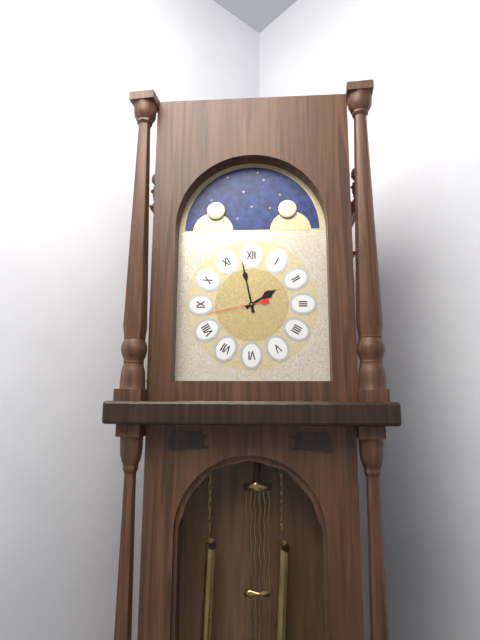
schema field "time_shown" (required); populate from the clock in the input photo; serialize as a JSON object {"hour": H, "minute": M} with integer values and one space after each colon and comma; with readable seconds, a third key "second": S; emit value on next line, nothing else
{"hour": 1, "minute": 58, "second": 43}
